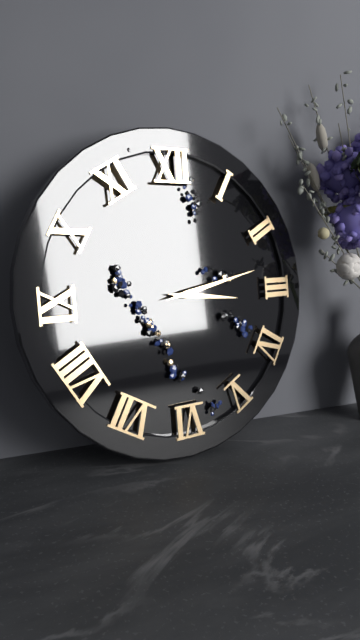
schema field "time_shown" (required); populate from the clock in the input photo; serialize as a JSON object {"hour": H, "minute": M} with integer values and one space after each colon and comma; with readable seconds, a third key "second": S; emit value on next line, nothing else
{"hour": 3, "minute": 13}
